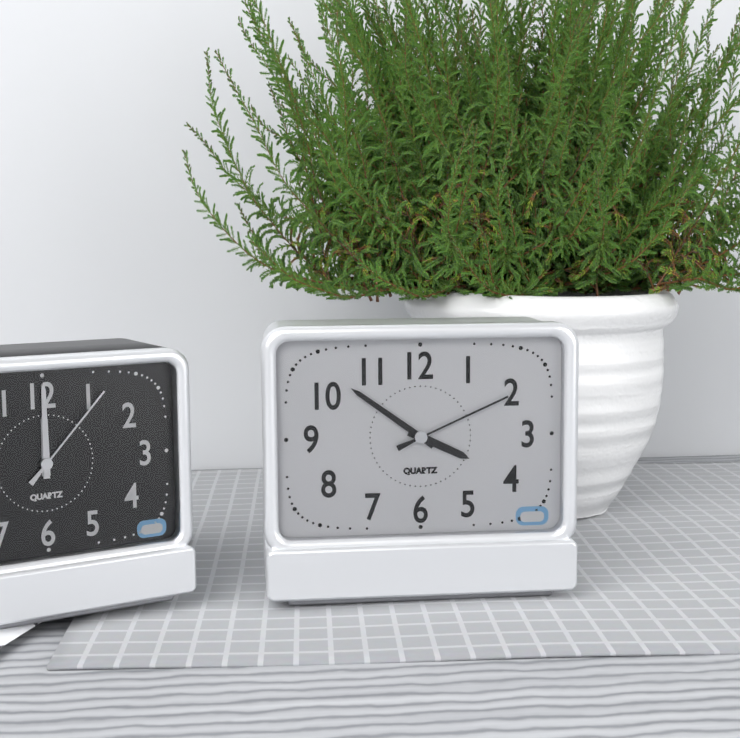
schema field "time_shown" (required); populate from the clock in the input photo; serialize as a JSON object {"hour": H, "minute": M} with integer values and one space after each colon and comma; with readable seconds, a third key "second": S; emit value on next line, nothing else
{"hour": 3, "minute": 51, "second": 11}
